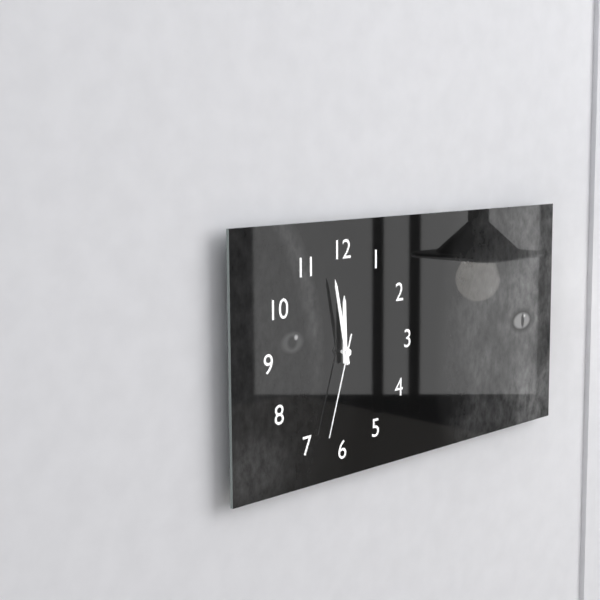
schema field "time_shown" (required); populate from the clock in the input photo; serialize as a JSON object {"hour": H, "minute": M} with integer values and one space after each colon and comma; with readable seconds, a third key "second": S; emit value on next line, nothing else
{"hour": 11, "minute": 58, "second": 33}
